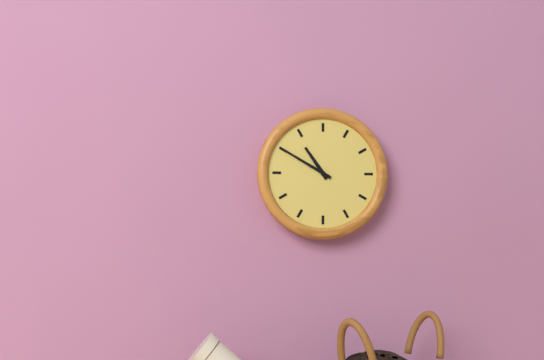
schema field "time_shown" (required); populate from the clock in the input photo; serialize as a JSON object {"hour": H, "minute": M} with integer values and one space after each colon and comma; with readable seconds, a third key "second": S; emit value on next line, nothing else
{"hour": 10, "minute": 50}
